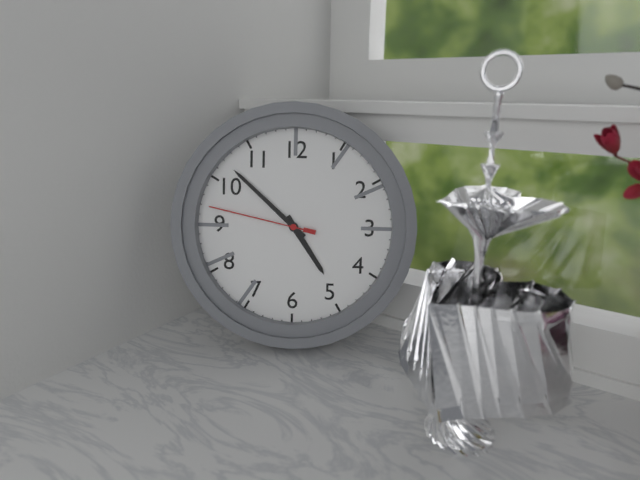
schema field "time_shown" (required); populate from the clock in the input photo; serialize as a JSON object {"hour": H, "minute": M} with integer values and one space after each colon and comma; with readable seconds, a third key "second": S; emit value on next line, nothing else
{"hour": 4, "minute": 52, "second": 47}
